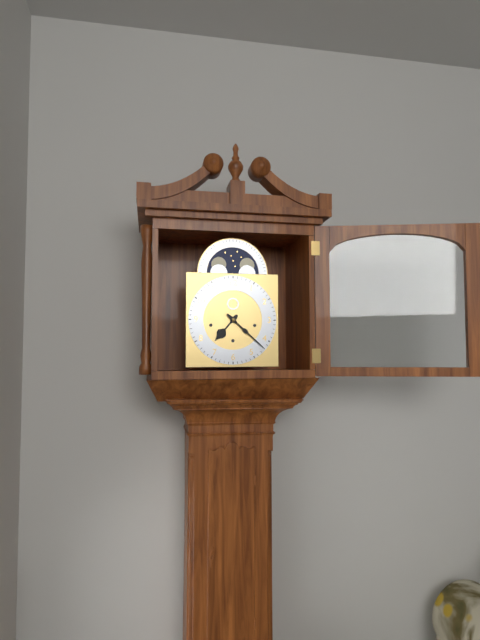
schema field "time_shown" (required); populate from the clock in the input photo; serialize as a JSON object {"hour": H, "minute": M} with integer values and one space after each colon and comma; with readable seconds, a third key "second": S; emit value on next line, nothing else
{"hour": 7, "minute": 22}
